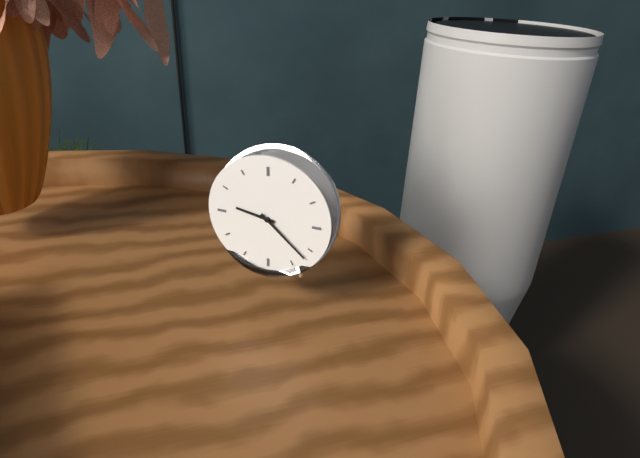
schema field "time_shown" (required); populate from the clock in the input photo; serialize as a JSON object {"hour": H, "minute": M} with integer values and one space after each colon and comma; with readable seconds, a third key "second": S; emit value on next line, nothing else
{"hour": 9, "minute": 22}
